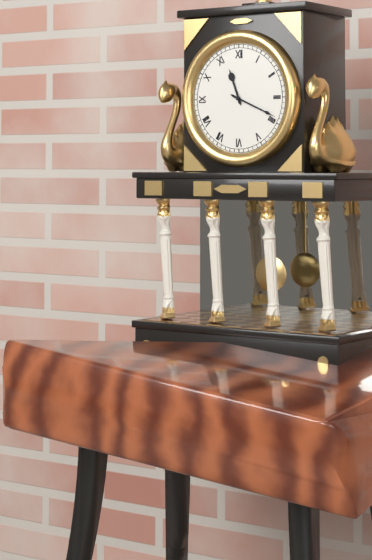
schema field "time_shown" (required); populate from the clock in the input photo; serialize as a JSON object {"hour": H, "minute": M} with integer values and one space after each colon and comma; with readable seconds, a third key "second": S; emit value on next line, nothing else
{"hour": 11, "minute": 19}
